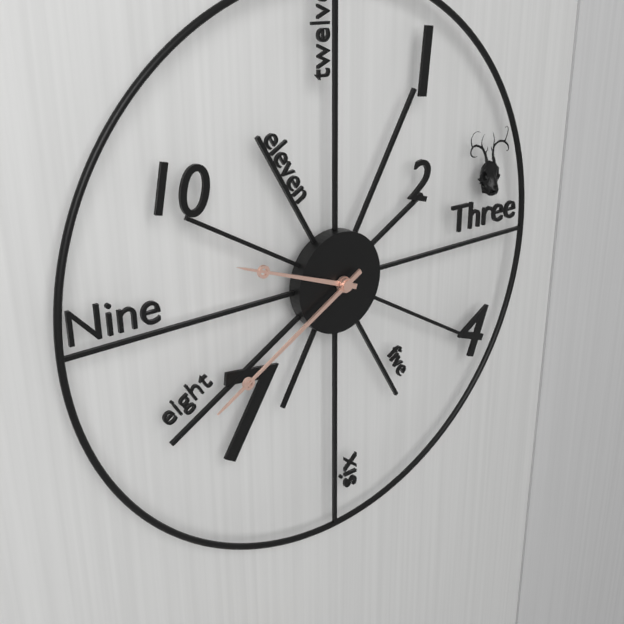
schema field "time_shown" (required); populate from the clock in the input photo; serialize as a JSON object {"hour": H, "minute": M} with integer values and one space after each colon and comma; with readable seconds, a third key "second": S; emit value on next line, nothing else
{"hour": 9, "minute": 40}
